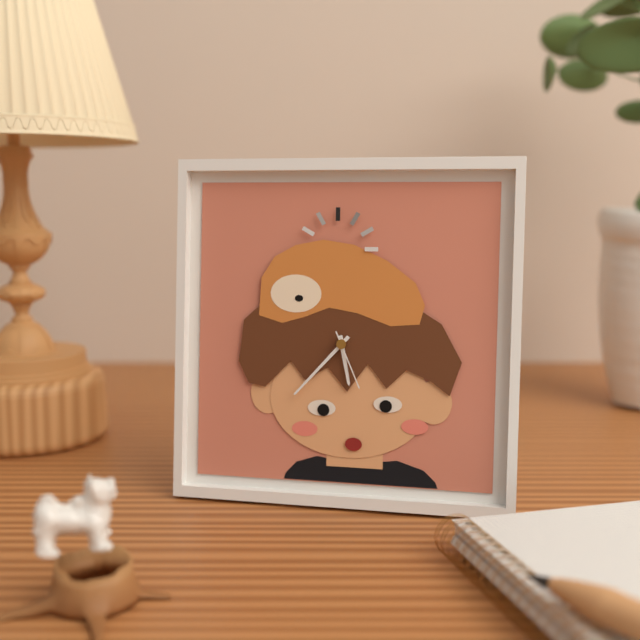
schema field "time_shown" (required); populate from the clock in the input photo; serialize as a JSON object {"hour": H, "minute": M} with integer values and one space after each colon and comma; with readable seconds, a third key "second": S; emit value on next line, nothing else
{"hour": 5, "minute": 37, "second": 26}
